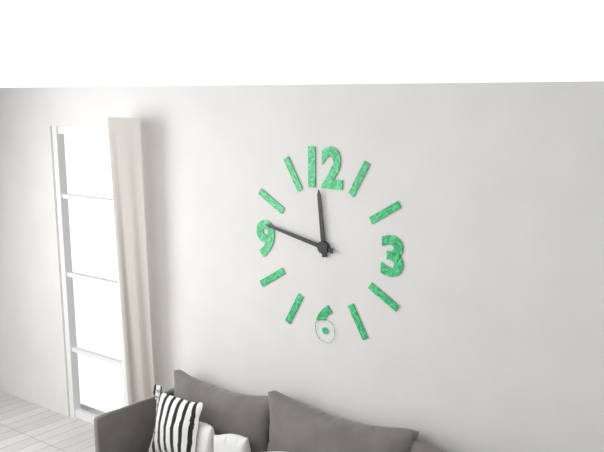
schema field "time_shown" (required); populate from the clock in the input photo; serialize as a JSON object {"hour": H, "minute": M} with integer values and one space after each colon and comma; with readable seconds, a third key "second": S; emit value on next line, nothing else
{"hour": 11, "minute": 47}
